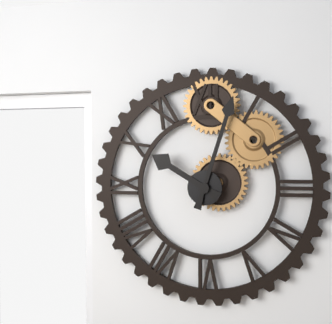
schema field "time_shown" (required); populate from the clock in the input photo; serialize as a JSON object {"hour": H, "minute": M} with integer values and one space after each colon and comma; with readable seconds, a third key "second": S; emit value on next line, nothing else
{"hour": 10, "minute": 3}
